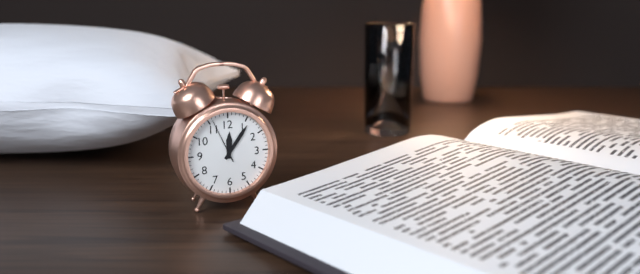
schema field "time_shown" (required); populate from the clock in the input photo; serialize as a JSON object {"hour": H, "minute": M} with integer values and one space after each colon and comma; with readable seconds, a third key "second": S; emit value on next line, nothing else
{"hour": 12, "minute": 6}
